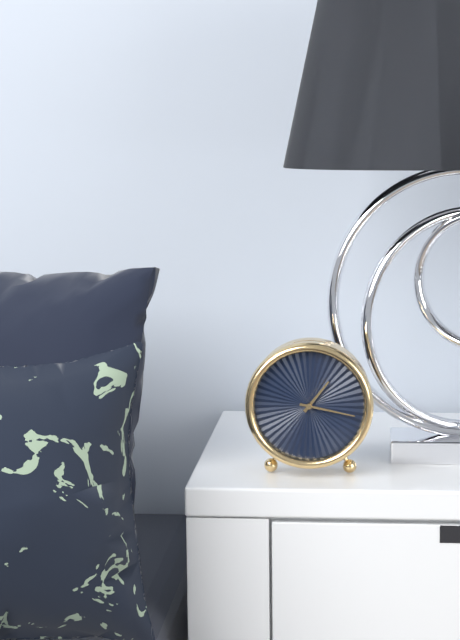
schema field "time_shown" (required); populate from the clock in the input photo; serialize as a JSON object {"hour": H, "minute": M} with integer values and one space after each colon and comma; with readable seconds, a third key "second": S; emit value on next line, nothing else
{"hour": 1, "minute": 17}
